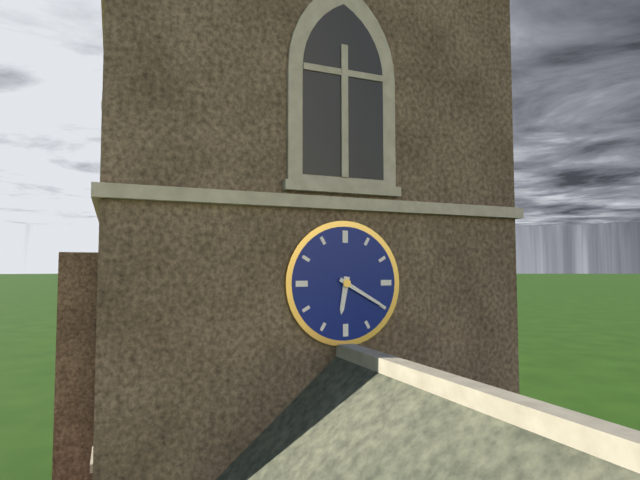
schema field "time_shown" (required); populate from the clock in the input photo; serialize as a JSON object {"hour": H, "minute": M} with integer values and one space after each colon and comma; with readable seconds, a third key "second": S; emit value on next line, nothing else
{"hour": 6, "minute": 20}
